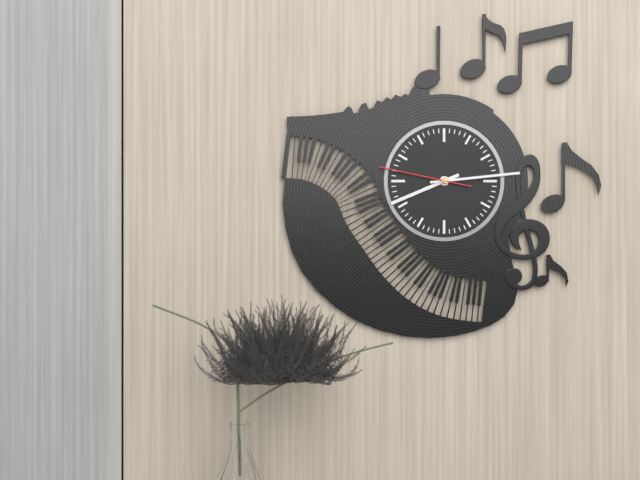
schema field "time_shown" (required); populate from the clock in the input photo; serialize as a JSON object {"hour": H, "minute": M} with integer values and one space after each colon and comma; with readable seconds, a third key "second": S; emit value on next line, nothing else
{"hour": 8, "minute": 14, "second": 47}
